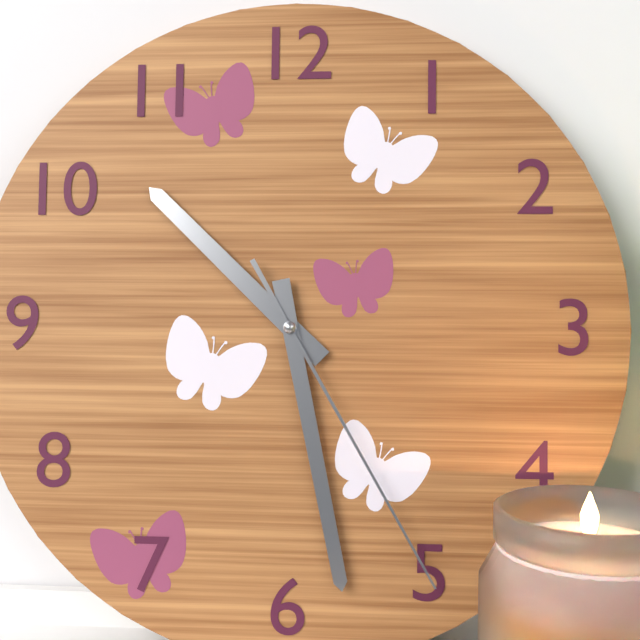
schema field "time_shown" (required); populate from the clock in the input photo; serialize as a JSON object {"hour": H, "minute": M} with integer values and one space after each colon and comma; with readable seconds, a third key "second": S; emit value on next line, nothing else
{"hour": 10, "minute": 28, "second": 25}
